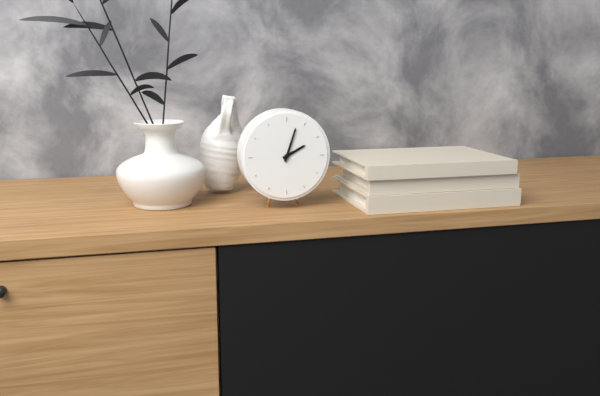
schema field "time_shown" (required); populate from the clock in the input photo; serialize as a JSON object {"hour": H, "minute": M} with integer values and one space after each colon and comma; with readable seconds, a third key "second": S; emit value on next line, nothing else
{"hour": 2, "minute": 3}
